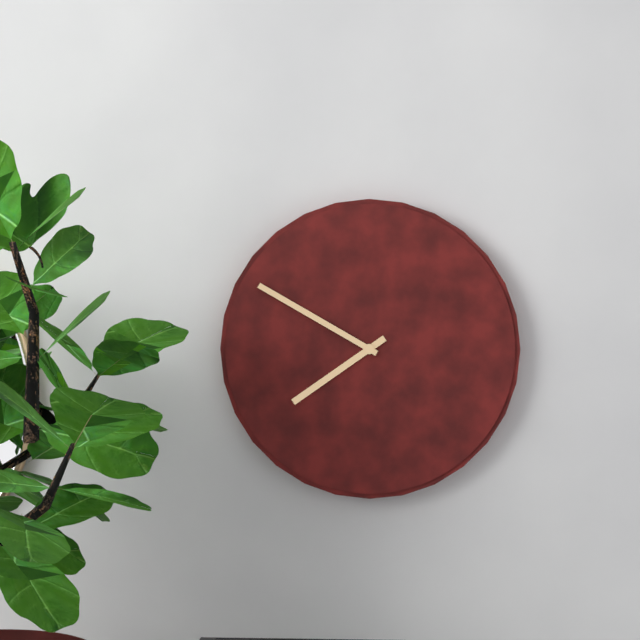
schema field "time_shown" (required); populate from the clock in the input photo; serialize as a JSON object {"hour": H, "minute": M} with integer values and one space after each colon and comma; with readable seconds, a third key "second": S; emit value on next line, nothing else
{"hour": 7, "minute": 50}
